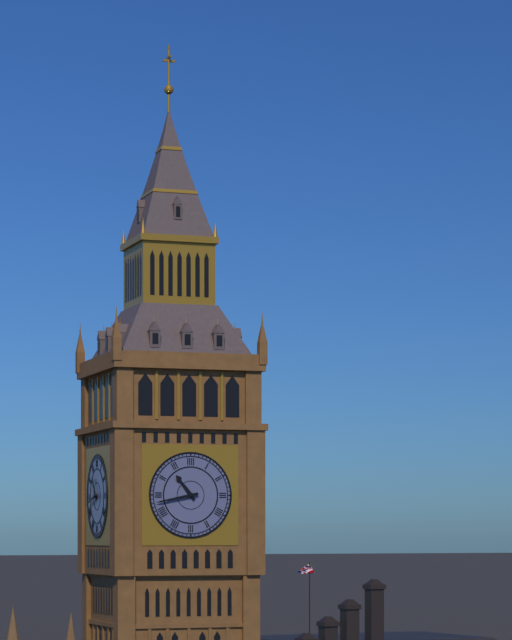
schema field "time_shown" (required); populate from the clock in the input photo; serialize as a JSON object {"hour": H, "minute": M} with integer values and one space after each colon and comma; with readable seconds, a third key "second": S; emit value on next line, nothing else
{"hour": 10, "minute": 43}
